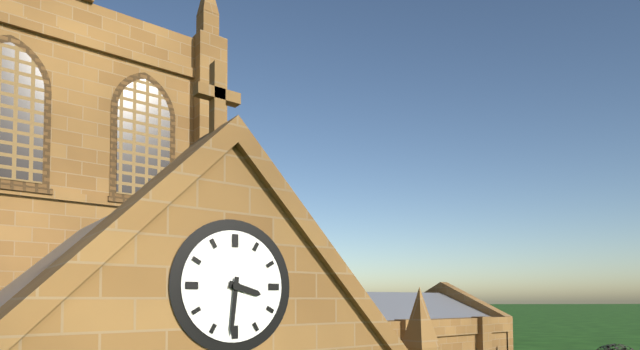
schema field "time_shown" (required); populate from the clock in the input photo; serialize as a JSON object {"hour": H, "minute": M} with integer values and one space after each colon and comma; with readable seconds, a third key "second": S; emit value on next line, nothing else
{"hour": 3, "minute": 31}
